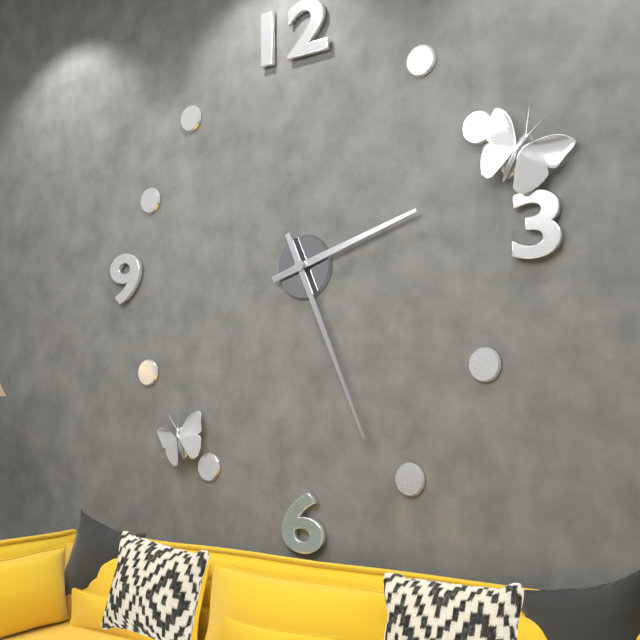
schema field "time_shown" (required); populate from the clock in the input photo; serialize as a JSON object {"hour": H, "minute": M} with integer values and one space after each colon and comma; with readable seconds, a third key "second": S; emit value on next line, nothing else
{"hour": 2, "minute": 26}
